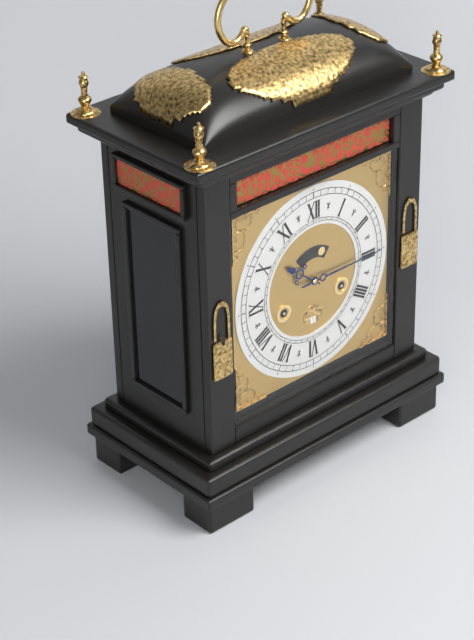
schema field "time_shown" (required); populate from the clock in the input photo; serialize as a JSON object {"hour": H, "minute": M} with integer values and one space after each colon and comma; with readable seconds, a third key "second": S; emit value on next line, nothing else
{"hour": 10, "minute": 15}
